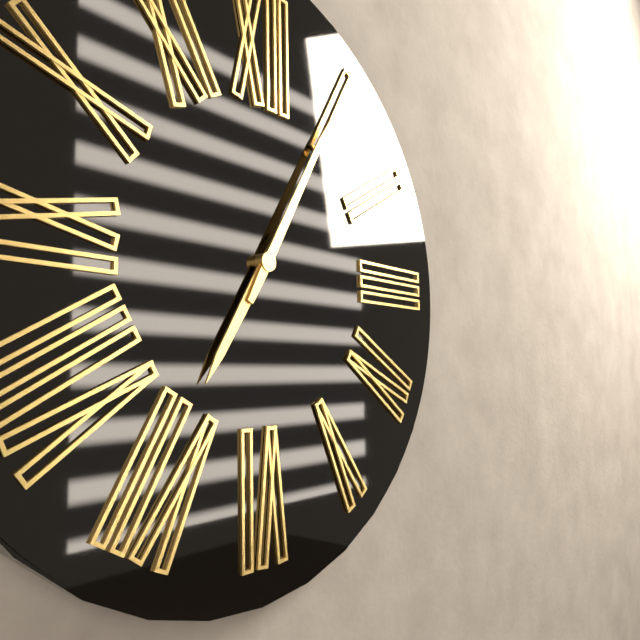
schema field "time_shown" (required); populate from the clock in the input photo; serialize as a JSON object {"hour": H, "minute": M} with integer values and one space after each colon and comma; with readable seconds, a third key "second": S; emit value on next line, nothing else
{"hour": 7, "minute": 5}
